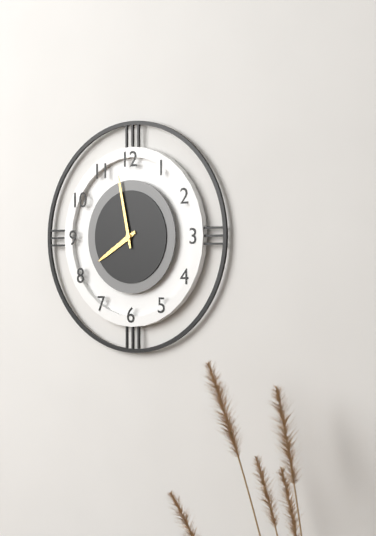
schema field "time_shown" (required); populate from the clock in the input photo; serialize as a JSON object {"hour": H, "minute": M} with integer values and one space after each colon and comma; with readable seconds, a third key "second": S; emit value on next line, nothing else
{"hour": 7, "minute": 58}
